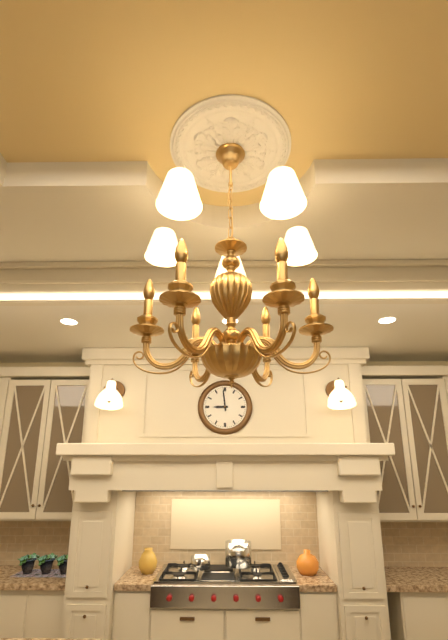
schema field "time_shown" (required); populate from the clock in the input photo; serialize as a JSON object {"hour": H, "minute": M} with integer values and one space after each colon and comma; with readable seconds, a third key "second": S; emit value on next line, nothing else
{"hour": 8, "minute": 59}
